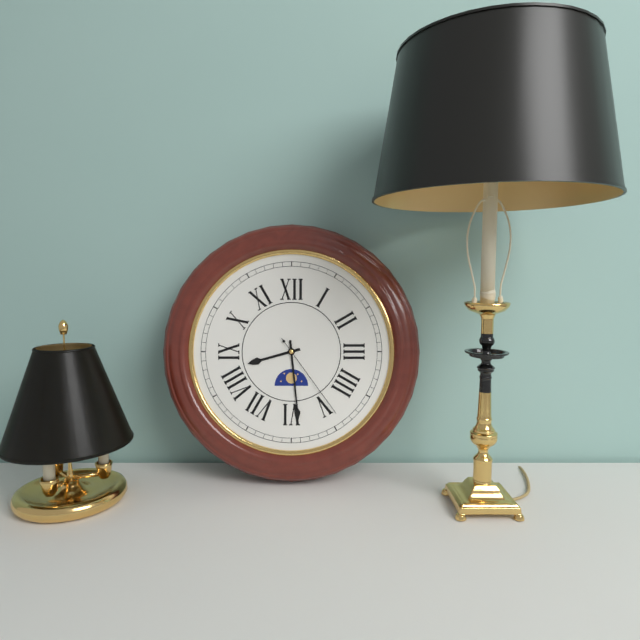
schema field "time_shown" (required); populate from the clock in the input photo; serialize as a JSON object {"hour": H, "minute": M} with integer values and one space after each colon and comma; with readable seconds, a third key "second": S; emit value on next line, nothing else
{"hour": 8, "minute": 29, "second": 24}
